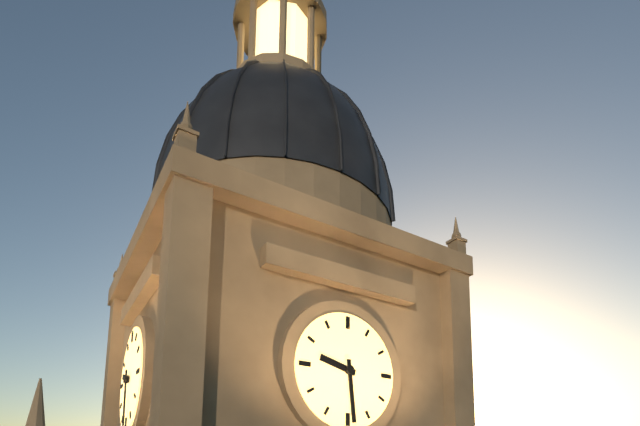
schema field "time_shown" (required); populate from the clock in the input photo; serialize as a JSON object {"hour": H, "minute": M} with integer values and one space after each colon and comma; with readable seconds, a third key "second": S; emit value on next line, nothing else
{"hour": 9, "minute": 29}
